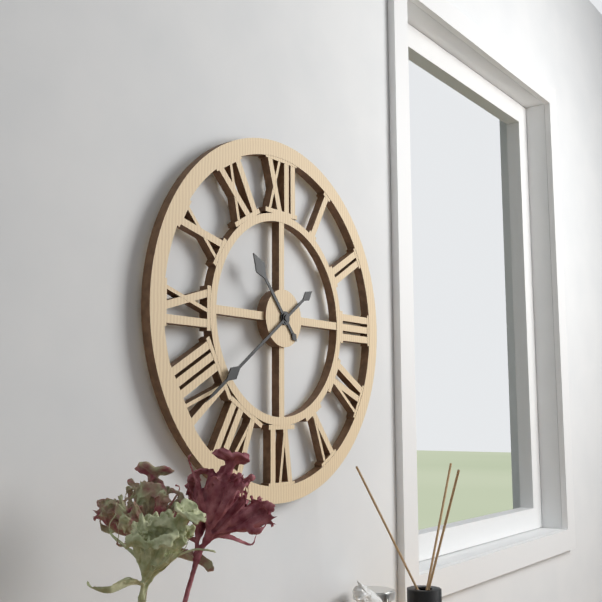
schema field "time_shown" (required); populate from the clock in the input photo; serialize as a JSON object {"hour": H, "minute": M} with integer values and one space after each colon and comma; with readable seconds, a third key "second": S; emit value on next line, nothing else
{"hour": 10, "minute": 39}
